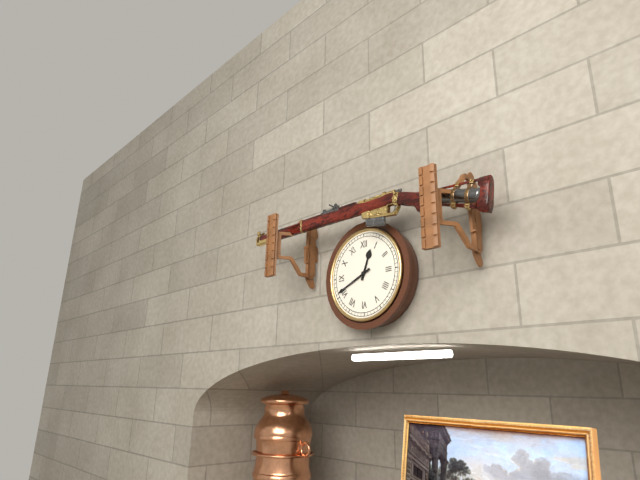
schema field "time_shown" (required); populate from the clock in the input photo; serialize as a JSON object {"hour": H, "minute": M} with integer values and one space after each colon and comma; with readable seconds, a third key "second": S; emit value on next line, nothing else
{"hour": 12, "minute": 41}
